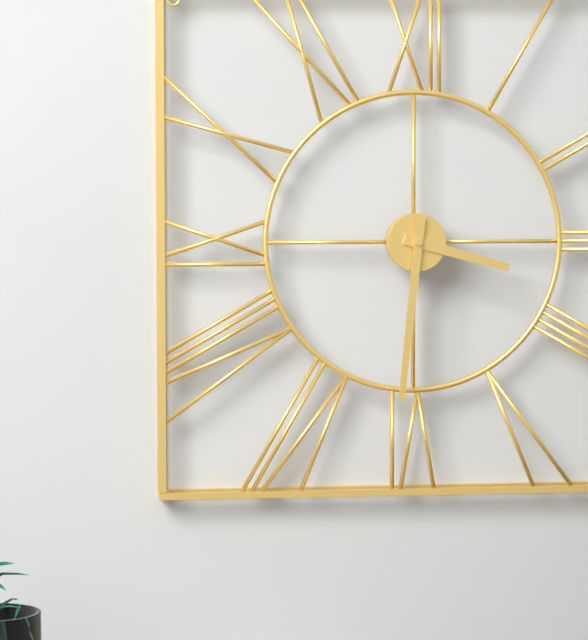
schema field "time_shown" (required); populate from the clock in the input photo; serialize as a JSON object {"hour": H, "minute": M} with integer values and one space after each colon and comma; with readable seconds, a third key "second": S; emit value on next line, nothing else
{"hour": 3, "minute": 31}
